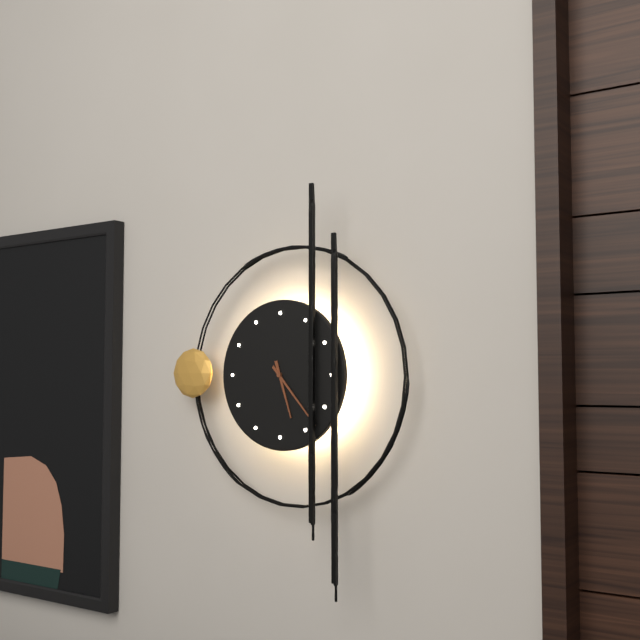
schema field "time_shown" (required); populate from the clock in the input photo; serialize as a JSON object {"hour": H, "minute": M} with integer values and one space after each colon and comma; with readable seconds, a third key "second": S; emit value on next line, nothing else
{"hour": 5, "minute": 23}
